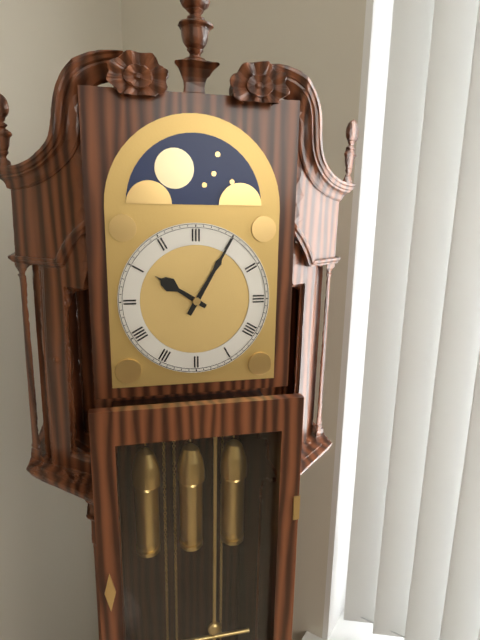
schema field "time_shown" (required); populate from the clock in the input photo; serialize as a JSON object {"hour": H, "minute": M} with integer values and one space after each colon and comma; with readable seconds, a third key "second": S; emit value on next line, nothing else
{"hour": 10, "minute": 5}
